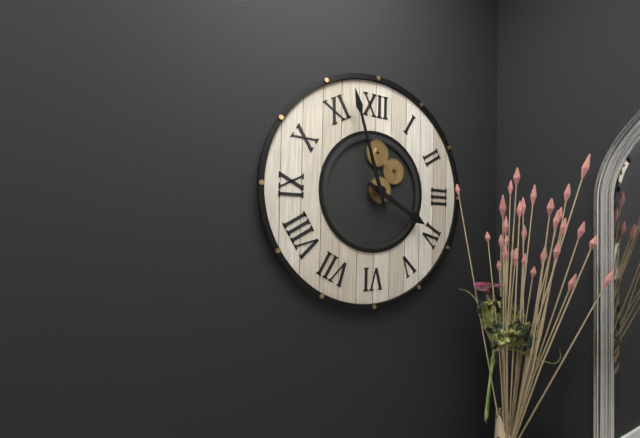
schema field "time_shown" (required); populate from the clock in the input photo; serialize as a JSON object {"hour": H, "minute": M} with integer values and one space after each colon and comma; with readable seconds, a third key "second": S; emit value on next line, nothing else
{"hour": 3, "minute": 57}
